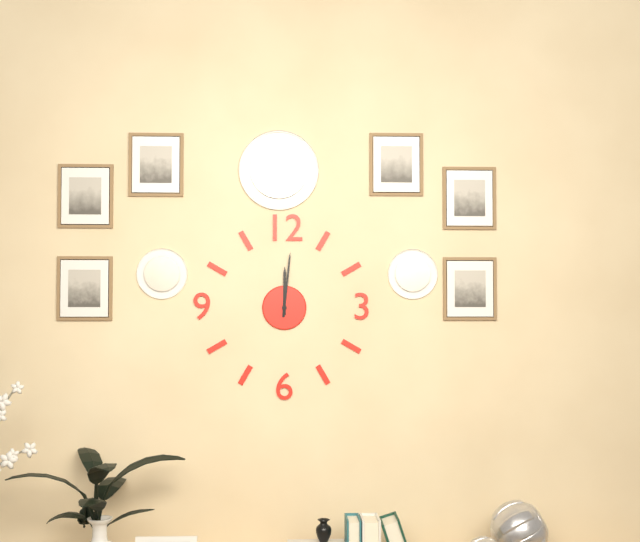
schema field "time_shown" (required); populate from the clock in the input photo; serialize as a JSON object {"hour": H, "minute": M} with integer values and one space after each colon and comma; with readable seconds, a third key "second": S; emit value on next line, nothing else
{"hour": 12, "minute": 1}
